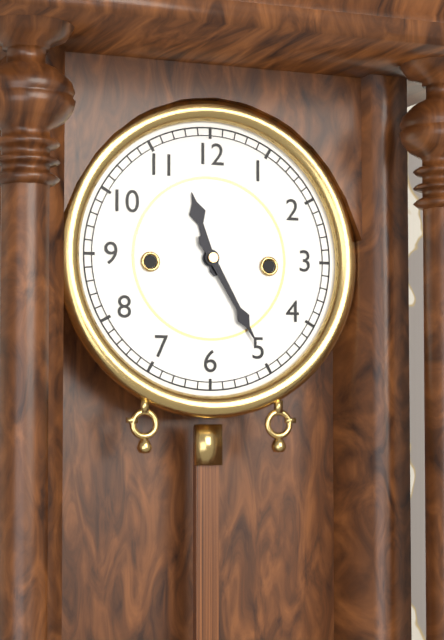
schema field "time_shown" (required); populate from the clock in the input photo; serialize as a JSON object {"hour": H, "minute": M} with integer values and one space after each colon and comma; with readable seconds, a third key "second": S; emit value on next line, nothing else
{"hour": 11, "minute": 25}
